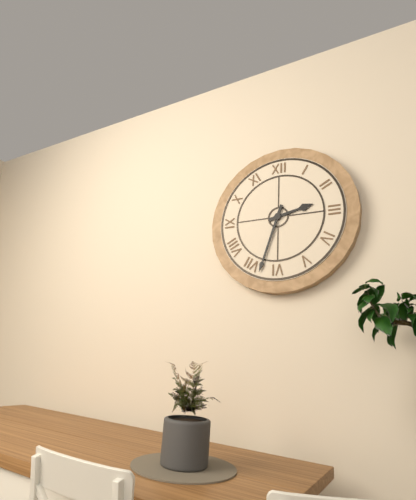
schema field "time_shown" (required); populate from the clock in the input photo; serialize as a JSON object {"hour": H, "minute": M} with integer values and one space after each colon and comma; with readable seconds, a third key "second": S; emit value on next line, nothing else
{"hour": 2, "minute": 33}
